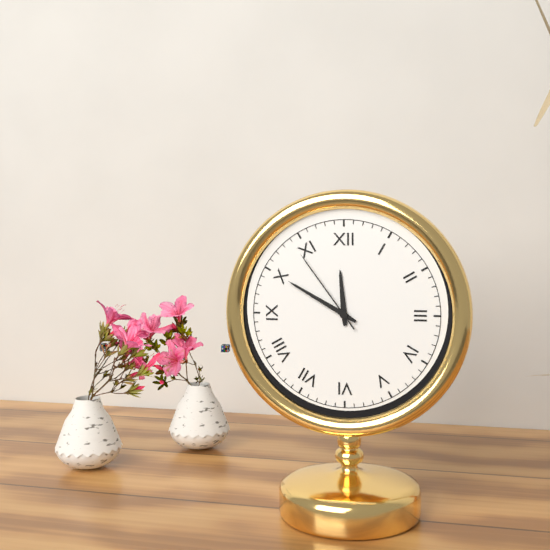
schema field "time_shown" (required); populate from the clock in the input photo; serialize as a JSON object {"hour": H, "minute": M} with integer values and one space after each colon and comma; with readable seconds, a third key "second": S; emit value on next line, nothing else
{"hour": 11, "minute": 50, "second": 54}
